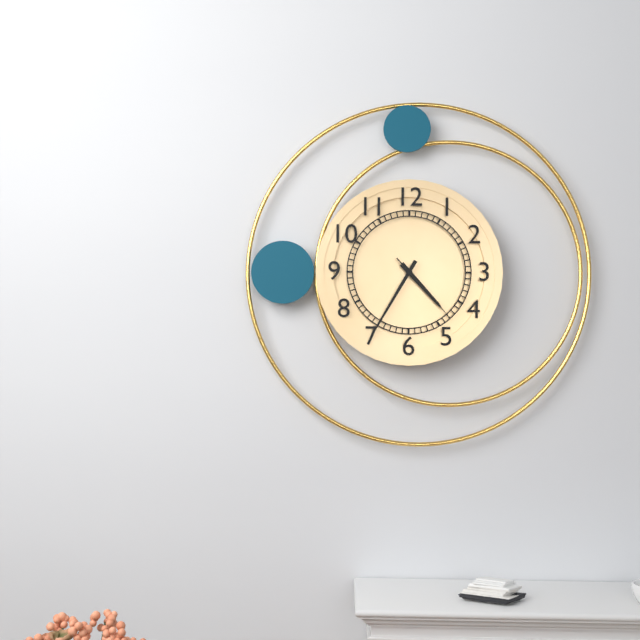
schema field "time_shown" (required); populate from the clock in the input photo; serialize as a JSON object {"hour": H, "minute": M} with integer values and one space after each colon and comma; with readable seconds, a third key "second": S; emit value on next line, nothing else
{"hour": 4, "minute": 35, "second": 23}
